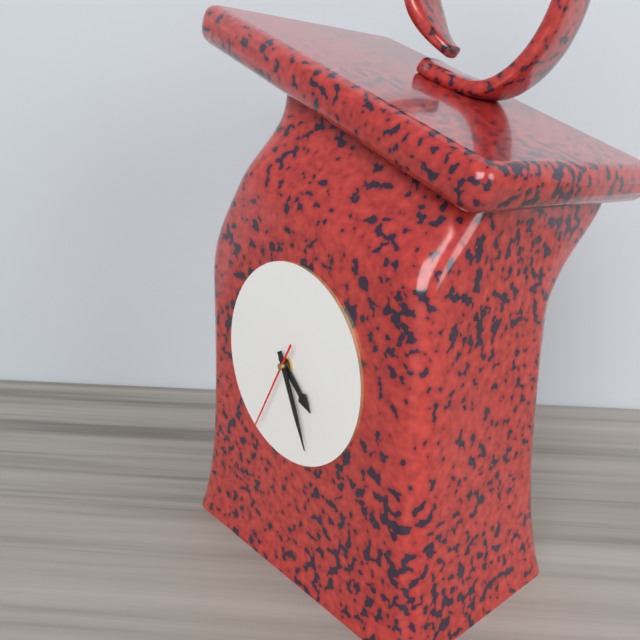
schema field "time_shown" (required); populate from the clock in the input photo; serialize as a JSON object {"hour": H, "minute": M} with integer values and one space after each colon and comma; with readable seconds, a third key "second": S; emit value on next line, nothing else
{"hour": 4, "minute": 26, "second": 35}
